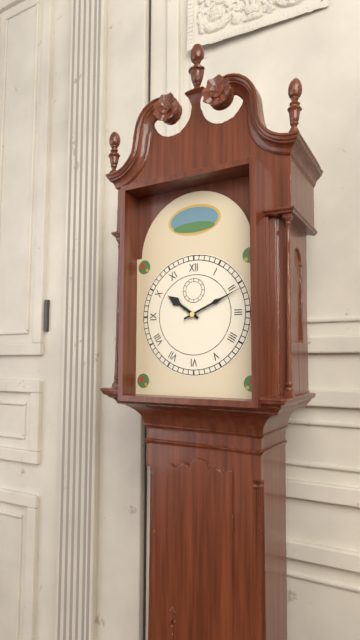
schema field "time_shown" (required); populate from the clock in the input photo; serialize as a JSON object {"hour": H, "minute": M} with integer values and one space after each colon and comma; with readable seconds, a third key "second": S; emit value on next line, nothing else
{"hour": 10, "minute": 11}
